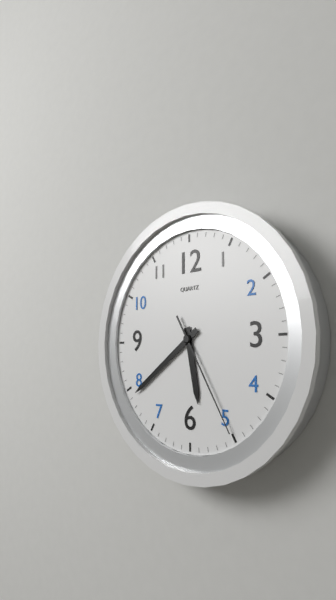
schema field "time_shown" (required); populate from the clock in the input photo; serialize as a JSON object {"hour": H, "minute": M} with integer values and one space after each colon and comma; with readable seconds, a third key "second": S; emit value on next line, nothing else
{"hour": 5, "minute": 39, "second": 25}
